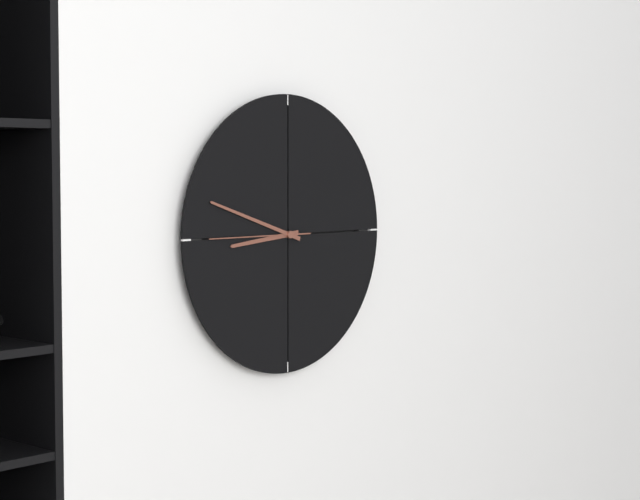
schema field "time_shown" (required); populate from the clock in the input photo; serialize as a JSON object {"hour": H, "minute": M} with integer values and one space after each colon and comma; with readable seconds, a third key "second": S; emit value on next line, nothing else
{"hour": 8, "minute": 48, "second": 45}
